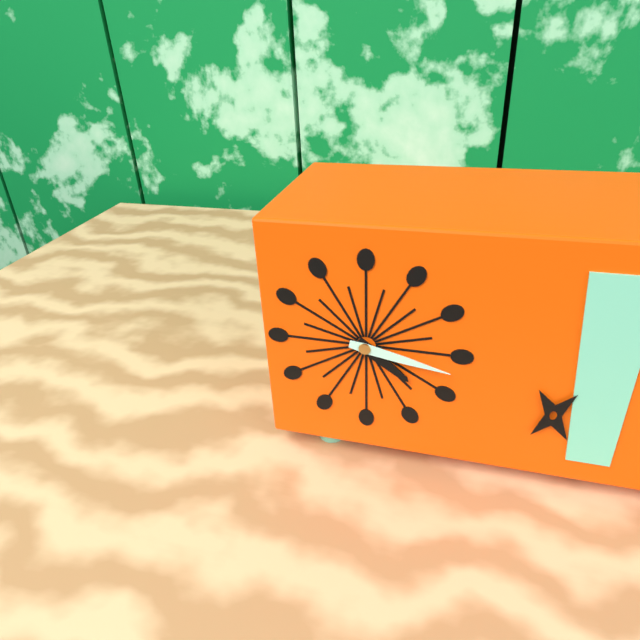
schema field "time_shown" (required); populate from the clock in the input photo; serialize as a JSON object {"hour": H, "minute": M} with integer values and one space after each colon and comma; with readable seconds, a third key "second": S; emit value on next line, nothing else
{"hour": 4, "minute": 17}
